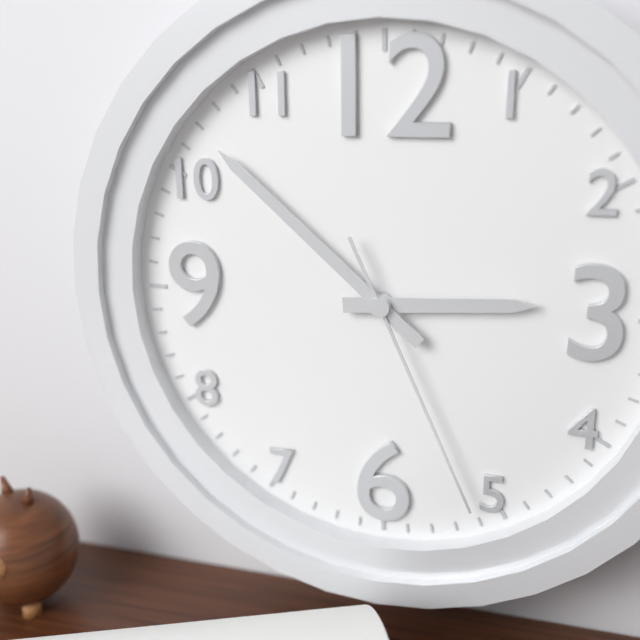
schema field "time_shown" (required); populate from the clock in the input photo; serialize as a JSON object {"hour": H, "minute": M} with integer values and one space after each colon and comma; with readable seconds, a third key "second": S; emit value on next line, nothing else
{"hour": 2, "minute": 52, "second": 26}
